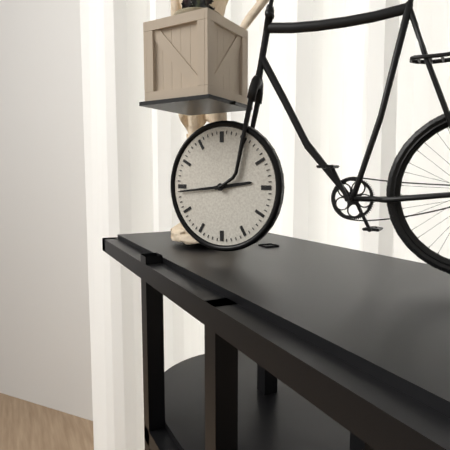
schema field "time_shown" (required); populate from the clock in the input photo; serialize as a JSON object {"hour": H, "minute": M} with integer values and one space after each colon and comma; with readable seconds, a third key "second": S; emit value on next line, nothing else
{"hour": 2, "minute": 44}
